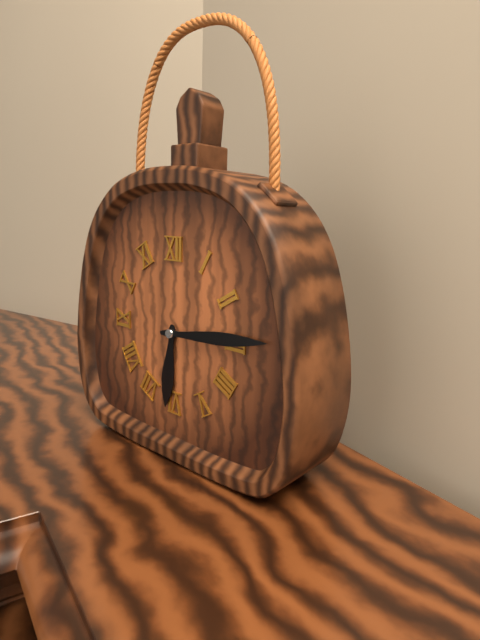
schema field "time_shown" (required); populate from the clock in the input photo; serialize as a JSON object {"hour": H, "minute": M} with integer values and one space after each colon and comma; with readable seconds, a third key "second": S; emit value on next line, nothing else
{"hour": 6, "minute": 14}
